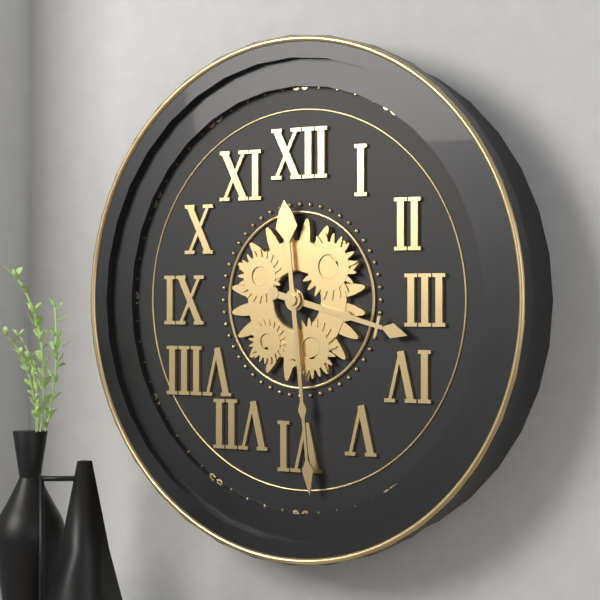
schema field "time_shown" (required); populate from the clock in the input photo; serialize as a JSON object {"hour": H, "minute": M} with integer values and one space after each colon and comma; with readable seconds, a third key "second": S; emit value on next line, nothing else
{"hour": 3, "minute": 29}
